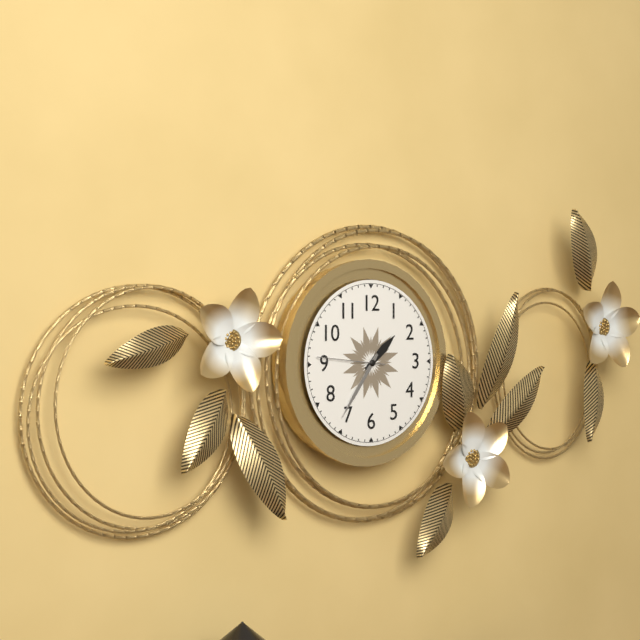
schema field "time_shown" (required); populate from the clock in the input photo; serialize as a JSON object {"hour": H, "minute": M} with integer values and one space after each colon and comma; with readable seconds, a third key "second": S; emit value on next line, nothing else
{"hour": 1, "minute": 36, "second": 46}
